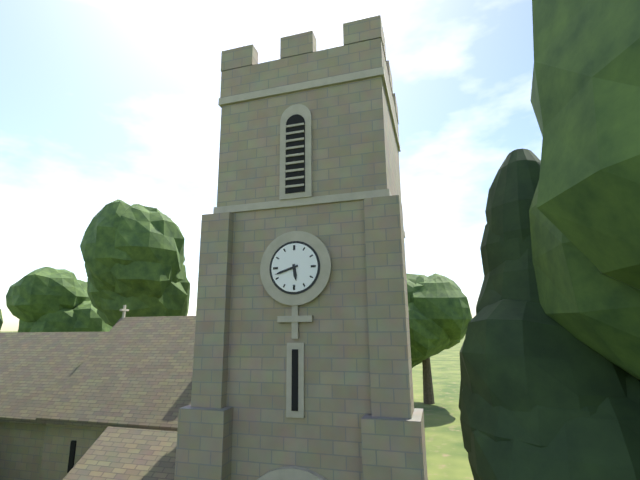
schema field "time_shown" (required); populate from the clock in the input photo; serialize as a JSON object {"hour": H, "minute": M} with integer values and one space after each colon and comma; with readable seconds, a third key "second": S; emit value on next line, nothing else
{"hour": 5, "minute": 42}
